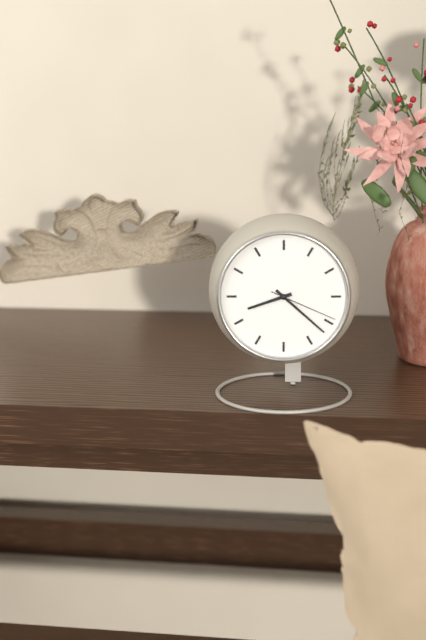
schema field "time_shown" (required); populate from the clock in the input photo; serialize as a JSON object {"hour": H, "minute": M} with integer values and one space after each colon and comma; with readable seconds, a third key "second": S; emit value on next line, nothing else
{"hour": 8, "minute": 22, "second": 19}
